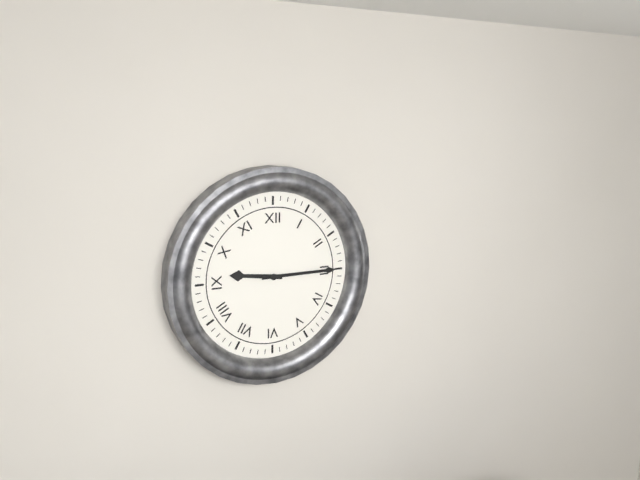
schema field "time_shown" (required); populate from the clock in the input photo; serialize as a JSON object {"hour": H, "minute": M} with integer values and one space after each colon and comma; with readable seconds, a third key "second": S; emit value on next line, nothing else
{"hour": 9, "minute": 15}
